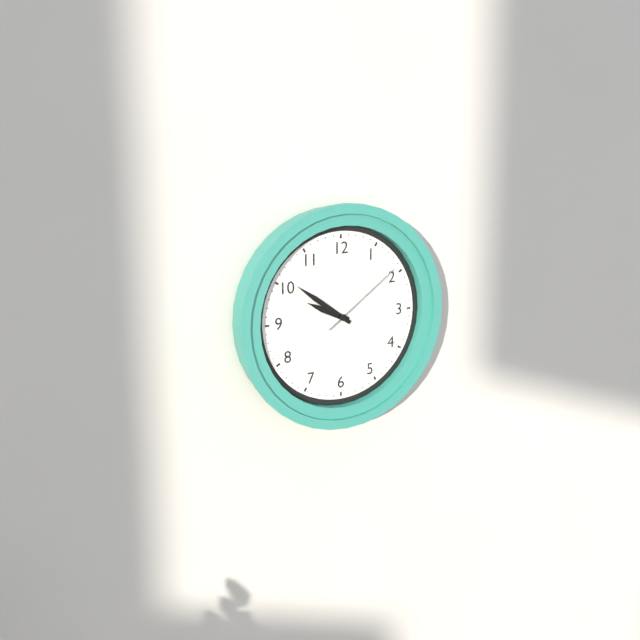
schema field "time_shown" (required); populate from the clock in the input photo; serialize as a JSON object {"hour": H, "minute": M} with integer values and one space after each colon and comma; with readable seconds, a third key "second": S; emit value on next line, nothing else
{"hour": 9, "minute": 51, "second": 9}
